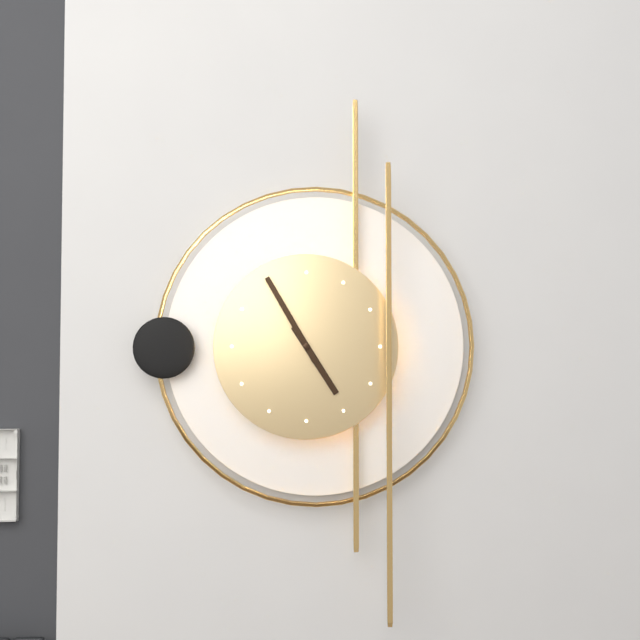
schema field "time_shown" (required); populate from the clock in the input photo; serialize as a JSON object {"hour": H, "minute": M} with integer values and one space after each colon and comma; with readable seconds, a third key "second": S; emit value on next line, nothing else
{"hour": 4, "minute": 55}
